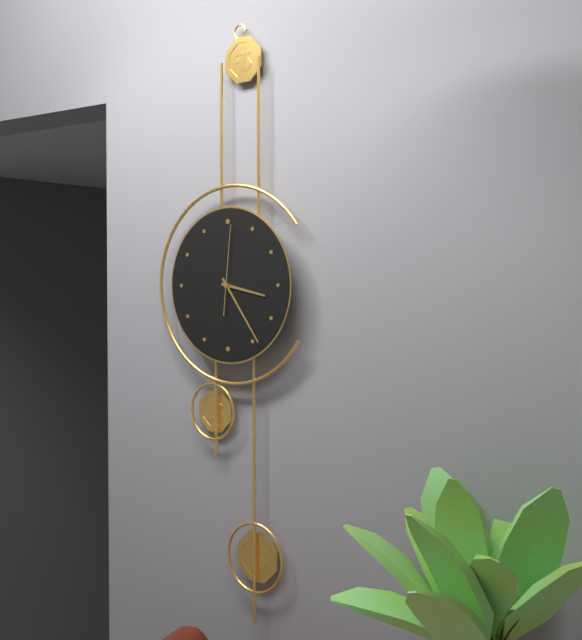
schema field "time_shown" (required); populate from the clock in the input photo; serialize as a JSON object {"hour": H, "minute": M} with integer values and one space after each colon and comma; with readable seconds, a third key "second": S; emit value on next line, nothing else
{"hour": 3, "minute": 24, "second": 1}
